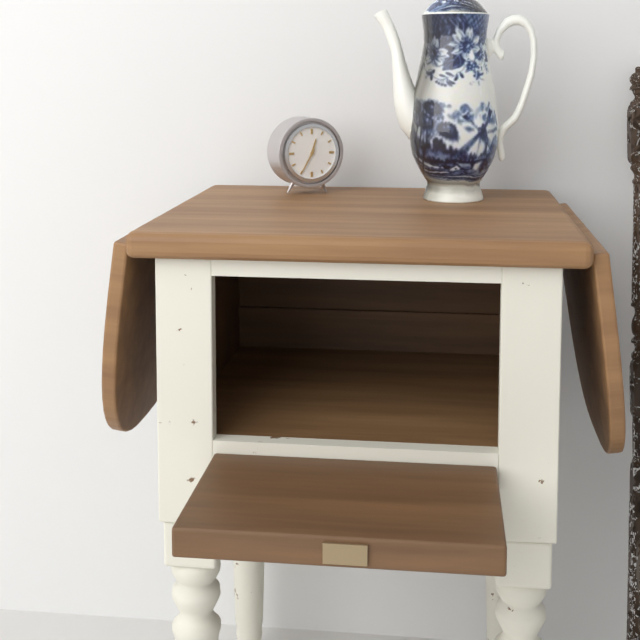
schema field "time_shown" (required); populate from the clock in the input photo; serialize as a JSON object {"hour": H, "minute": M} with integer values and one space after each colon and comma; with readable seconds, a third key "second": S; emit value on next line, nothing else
{"hour": 12, "minute": 35}
